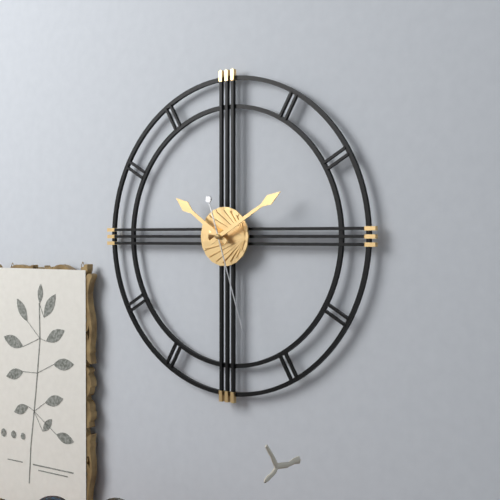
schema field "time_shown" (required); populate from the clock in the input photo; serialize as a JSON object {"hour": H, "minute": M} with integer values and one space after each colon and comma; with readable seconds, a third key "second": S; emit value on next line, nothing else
{"hour": 10, "minute": 10, "second": 27}
